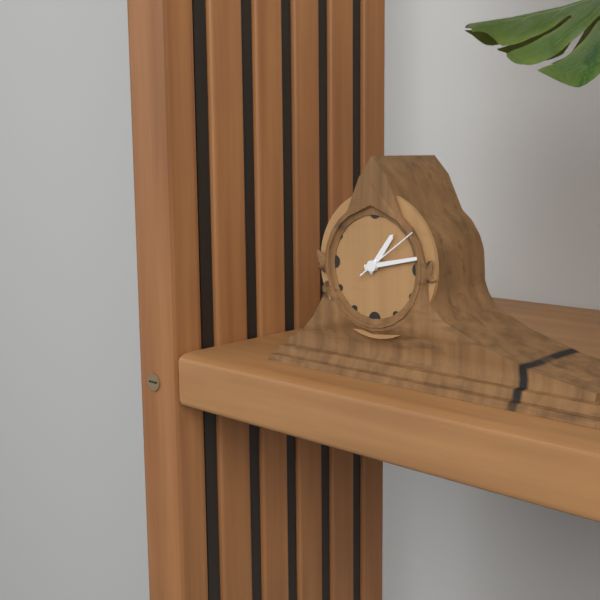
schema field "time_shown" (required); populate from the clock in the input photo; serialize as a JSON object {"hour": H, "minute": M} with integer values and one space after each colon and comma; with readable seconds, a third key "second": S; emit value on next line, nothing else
{"hour": 1, "minute": 13, "second": 9}
